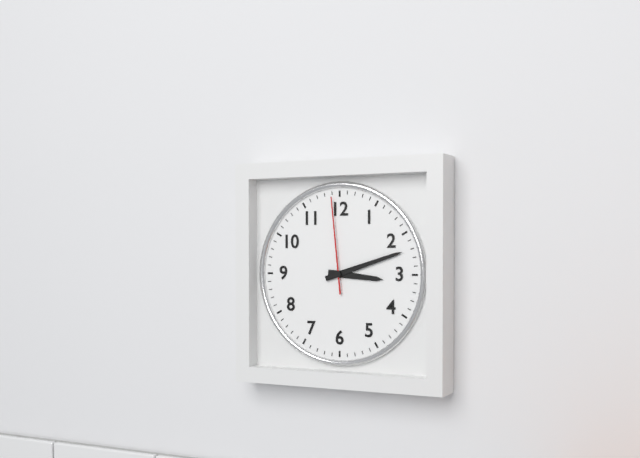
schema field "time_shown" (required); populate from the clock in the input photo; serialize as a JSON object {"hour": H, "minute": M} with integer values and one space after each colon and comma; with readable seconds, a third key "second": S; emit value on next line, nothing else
{"hour": 3, "minute": 12, "second": 59}
